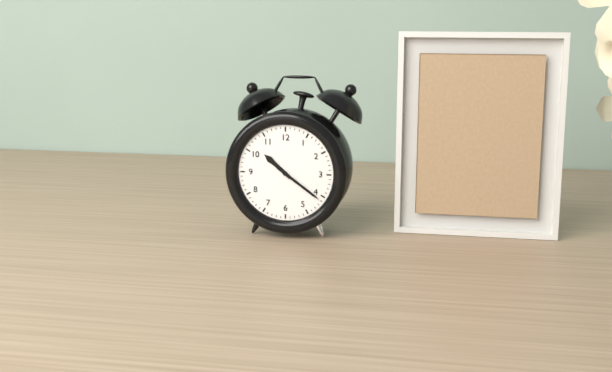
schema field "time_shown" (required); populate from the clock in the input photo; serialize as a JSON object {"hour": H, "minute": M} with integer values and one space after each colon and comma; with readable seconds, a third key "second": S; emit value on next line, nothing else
{"hour": 10, "minute": 21}
